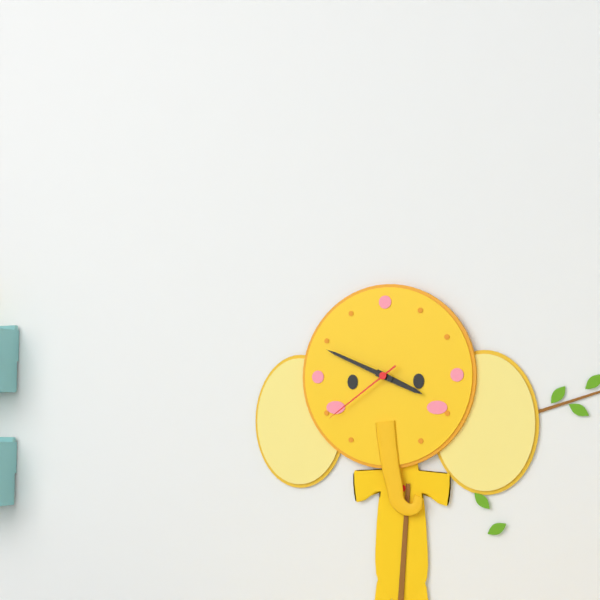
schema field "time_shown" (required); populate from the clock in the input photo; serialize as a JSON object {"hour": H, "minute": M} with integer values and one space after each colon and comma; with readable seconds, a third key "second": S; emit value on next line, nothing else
{"hour": 3, "minute": 49, "second": 39}
